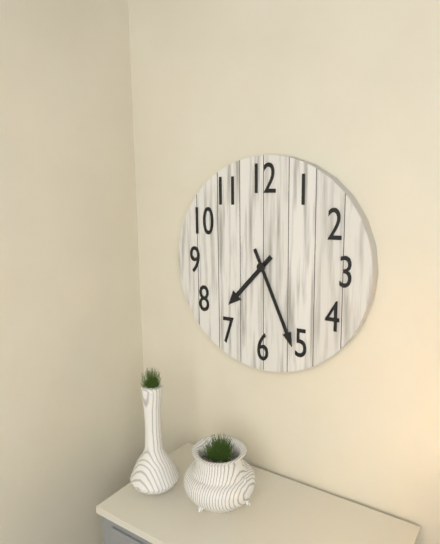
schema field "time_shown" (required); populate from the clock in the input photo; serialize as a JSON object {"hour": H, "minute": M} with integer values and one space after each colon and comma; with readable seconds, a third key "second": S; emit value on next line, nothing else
{"hour": 7, "minute": 26}
